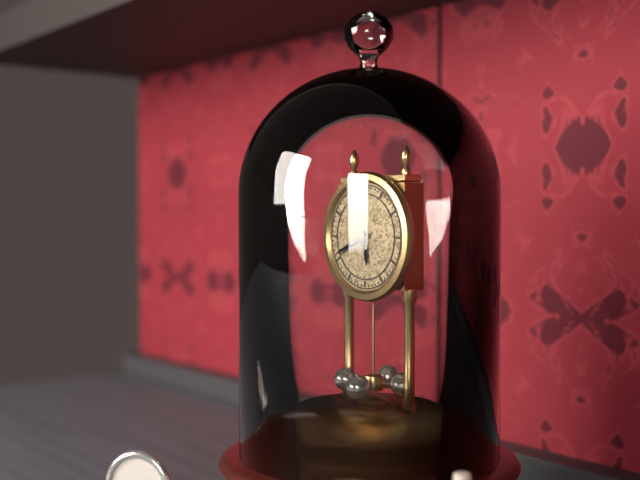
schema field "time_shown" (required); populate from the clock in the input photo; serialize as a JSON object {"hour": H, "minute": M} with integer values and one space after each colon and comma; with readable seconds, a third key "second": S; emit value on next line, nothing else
{"hour": 5, "minute": 41}
